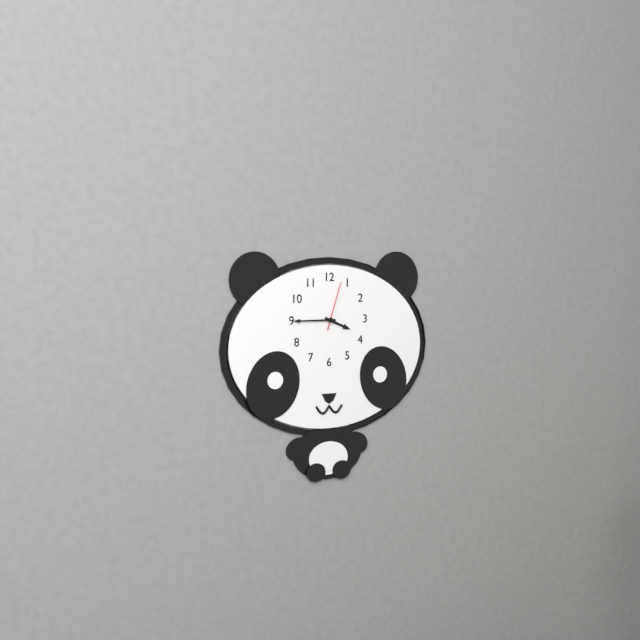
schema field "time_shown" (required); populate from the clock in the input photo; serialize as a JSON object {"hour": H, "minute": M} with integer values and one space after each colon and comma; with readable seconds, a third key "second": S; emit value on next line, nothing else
{"hour": 3, "minute": 45, "second": 3}
